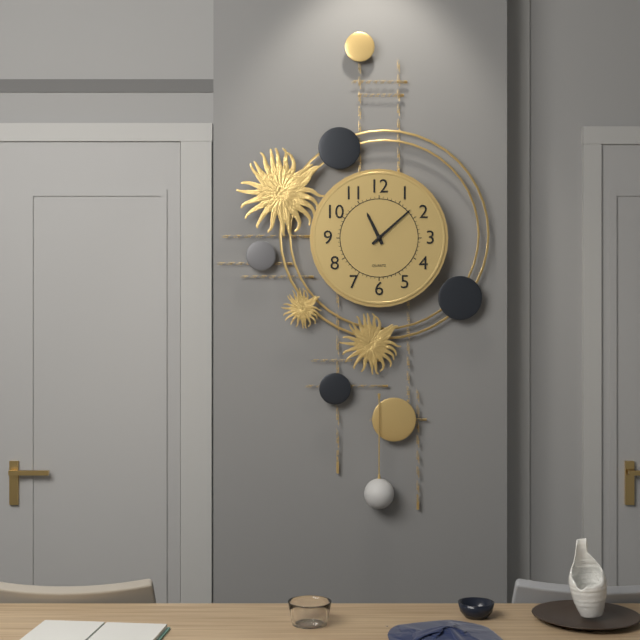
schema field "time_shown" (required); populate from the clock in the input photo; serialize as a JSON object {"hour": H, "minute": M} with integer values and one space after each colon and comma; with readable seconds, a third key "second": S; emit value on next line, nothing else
{"hour": 11, "minute": 8}
